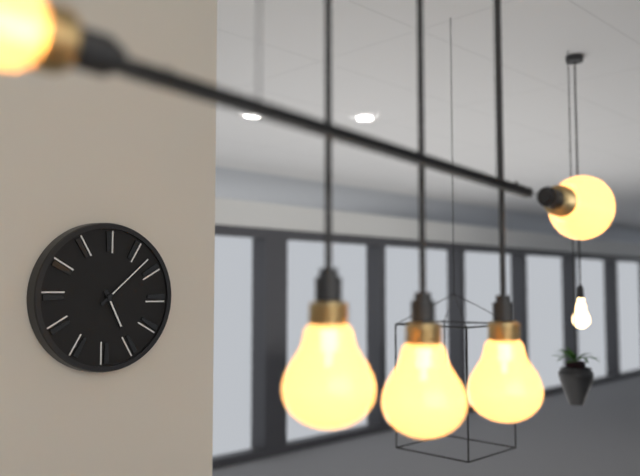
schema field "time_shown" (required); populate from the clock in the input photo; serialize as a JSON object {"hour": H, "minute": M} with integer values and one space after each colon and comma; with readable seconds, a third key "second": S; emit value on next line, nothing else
{"hour": 5, "minute": 8}
